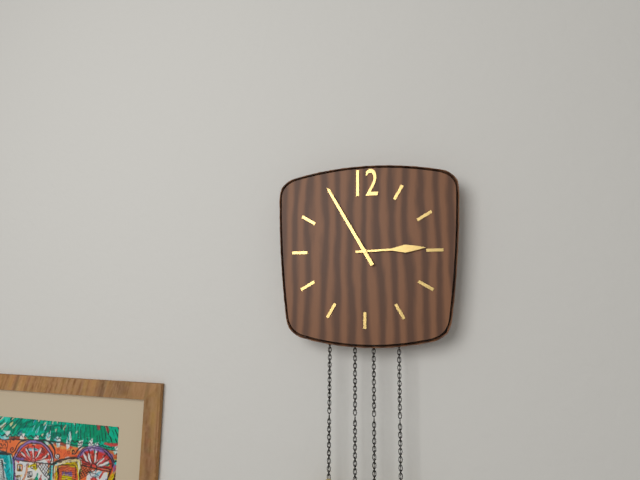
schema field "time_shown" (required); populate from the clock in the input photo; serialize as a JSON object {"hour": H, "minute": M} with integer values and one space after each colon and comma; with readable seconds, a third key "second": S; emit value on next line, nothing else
{"hour": 2, "minute": 55}
